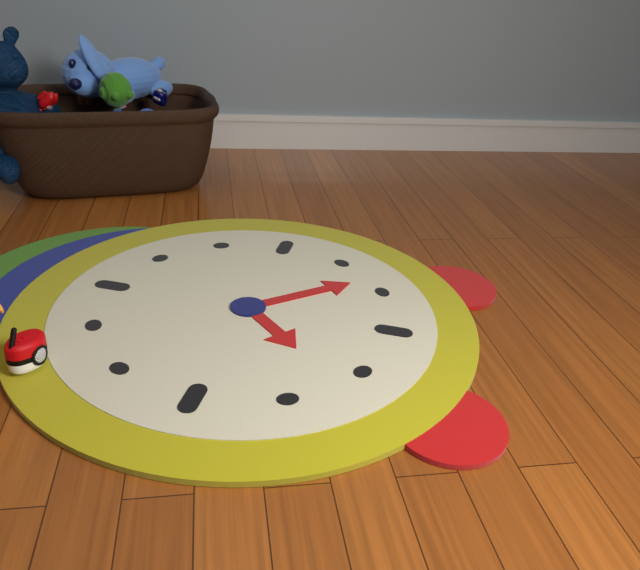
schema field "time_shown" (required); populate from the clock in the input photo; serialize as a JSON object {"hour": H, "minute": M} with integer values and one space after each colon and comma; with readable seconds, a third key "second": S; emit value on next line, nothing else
{"hour": 7, "minute": 23}
